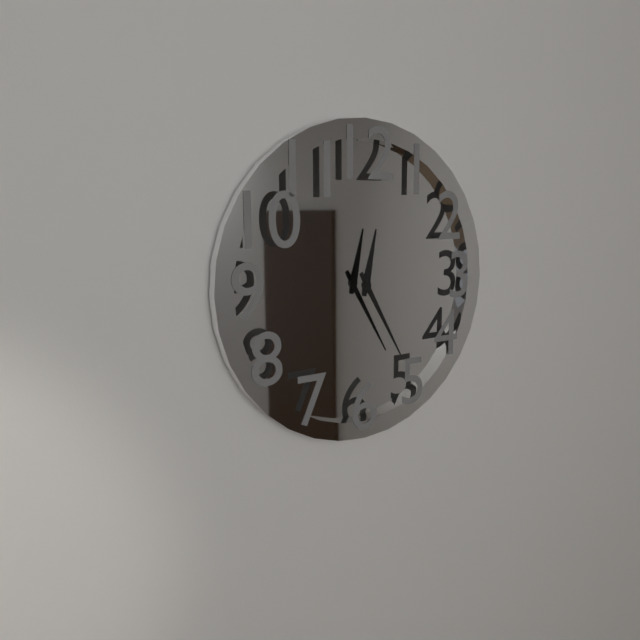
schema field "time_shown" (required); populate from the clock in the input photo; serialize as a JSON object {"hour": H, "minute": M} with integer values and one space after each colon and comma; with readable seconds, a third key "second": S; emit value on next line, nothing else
{"hour": 12, "minute": 25}
